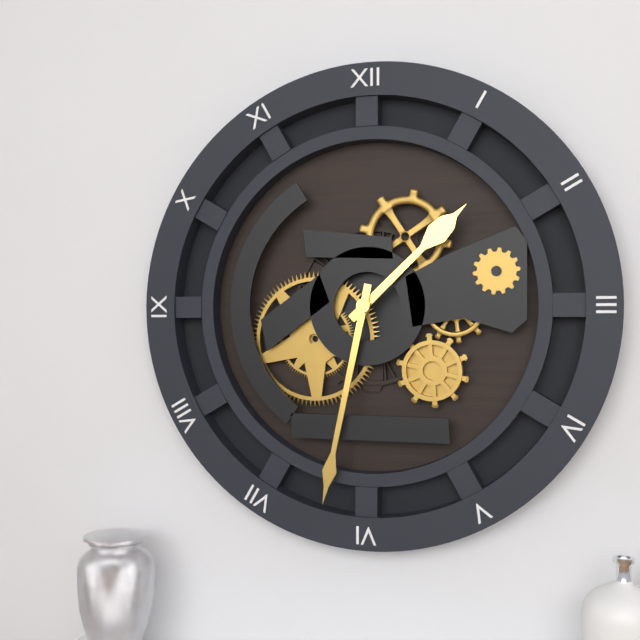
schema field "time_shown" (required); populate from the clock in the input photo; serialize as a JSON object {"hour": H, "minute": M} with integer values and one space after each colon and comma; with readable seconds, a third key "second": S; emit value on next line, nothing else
{"hour": 1, "minute": 32}
